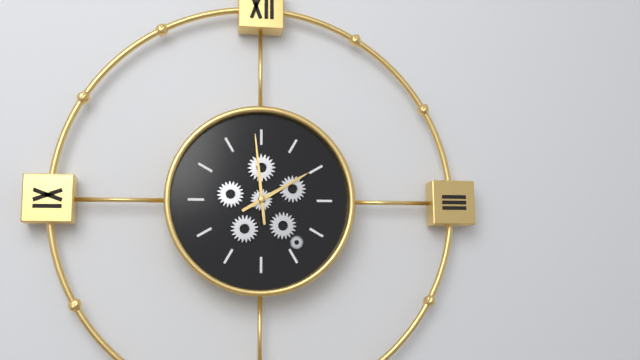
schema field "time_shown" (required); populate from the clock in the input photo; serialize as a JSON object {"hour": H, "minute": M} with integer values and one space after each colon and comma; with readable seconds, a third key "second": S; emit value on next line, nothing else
{"hour": 1, "minute": 59}
